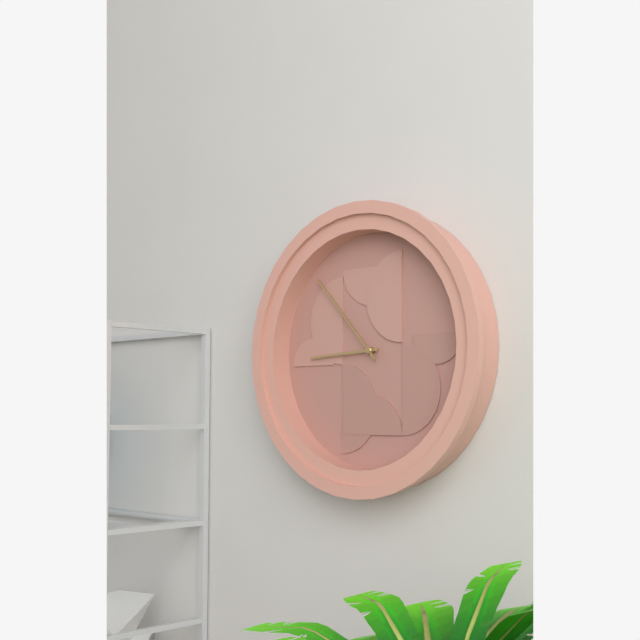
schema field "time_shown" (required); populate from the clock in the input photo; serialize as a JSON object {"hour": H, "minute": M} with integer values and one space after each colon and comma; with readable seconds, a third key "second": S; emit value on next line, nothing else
{"hour": 8, "minute": 53}
